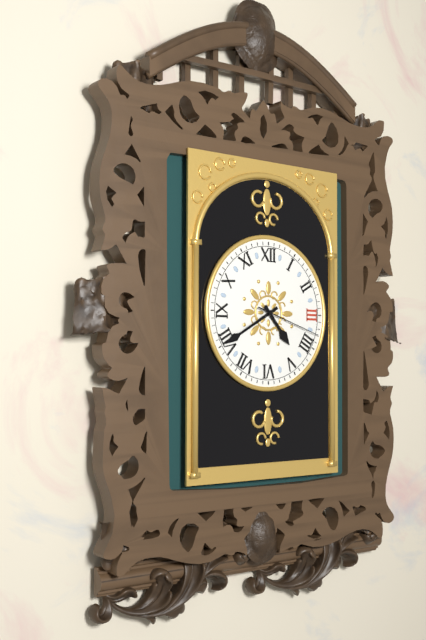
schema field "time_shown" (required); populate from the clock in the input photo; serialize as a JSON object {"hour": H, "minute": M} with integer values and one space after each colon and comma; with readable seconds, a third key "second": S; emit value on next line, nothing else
{"hour": 4, "minute": 40, "second": 18}
